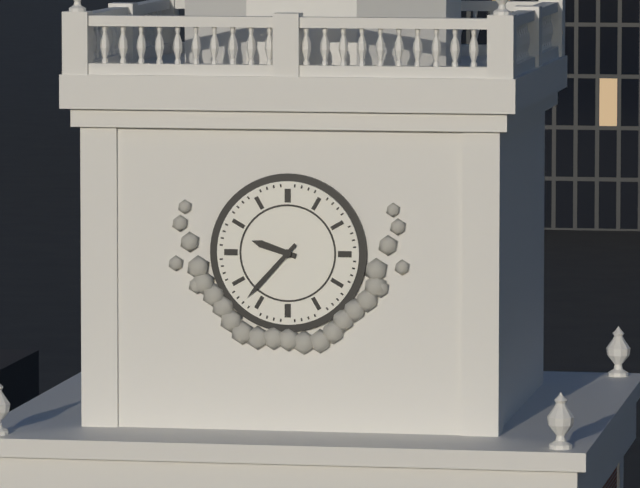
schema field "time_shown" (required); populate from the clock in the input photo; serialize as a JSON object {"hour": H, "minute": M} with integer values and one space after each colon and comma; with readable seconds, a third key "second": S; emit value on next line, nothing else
{"hour": 9, "minute": 37}
